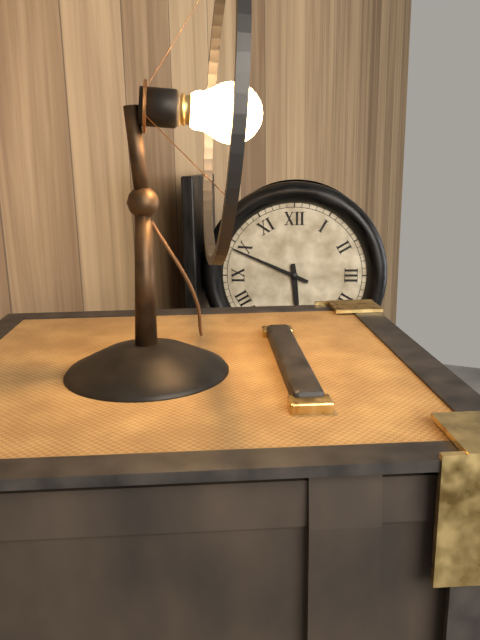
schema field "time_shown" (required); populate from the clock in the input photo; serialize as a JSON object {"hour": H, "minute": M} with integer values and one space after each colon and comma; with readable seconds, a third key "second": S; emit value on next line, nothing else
{"hour": 5, "minute": 49}
